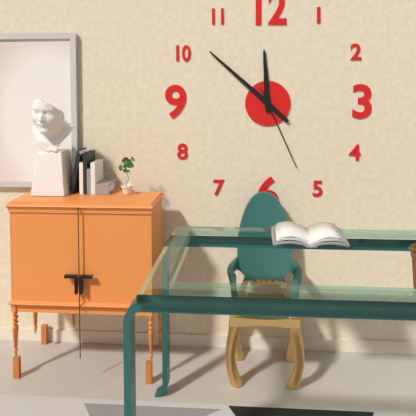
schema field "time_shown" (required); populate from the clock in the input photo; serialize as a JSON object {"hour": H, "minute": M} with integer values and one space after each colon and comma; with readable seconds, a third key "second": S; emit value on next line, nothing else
{"hour": 11, "minute": 52, "second": 26}
